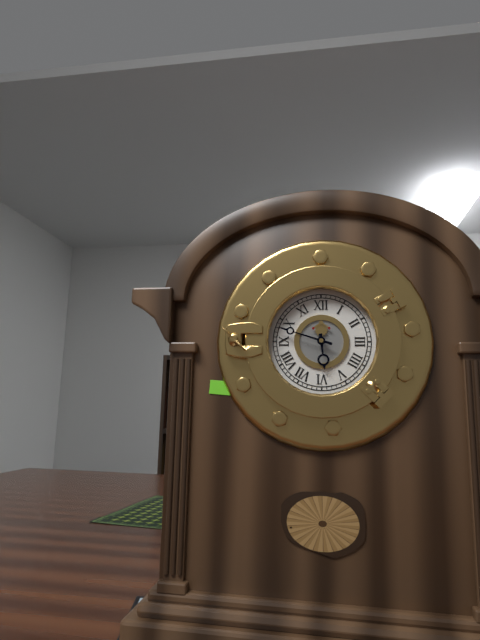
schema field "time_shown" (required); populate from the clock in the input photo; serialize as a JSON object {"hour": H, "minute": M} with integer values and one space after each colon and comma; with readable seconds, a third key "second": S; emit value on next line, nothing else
{"hour": 5, "minute": 48}
